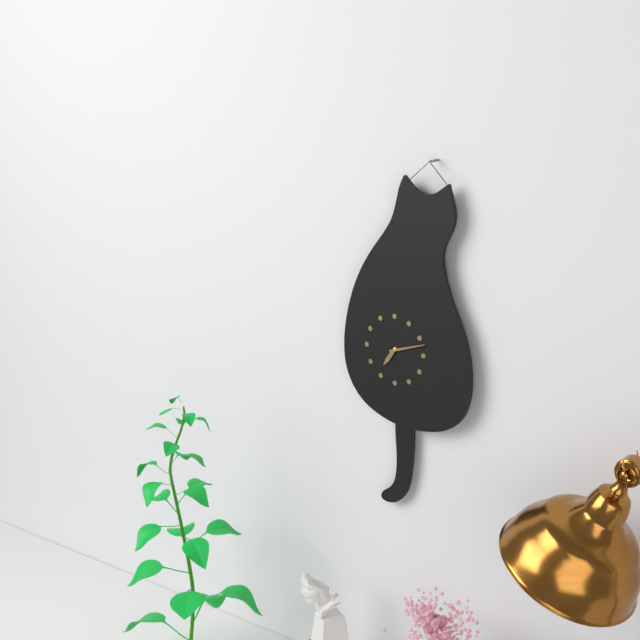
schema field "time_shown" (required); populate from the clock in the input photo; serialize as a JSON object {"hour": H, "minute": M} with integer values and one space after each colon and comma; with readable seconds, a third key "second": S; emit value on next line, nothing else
{"hour": 7, "minute": 12}
